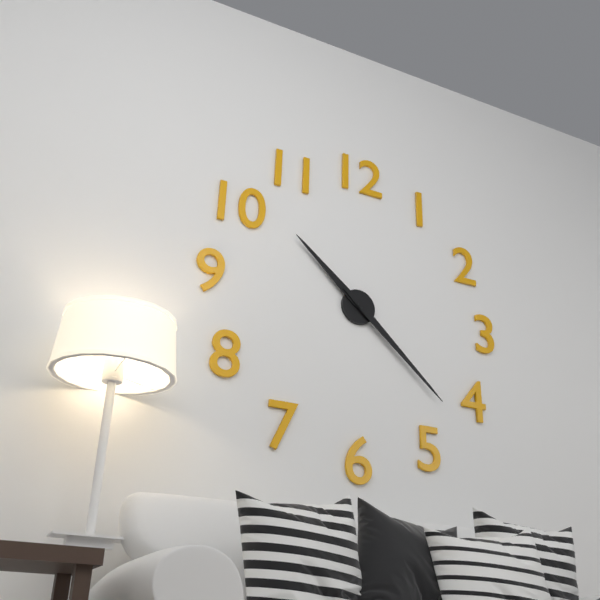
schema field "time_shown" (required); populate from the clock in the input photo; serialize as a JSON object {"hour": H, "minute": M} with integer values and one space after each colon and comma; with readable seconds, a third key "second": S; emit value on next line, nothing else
{"hour": 10, "minute": 22}
